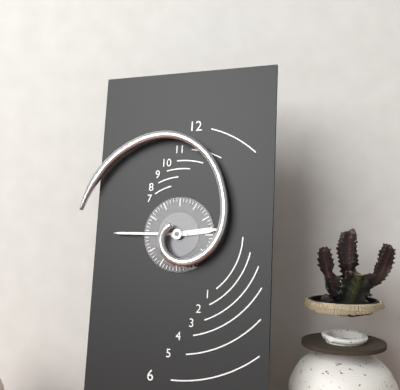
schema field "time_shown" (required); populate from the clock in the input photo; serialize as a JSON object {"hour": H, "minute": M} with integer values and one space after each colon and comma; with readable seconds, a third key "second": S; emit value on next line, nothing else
{"hour": 2, "minute": 45}
